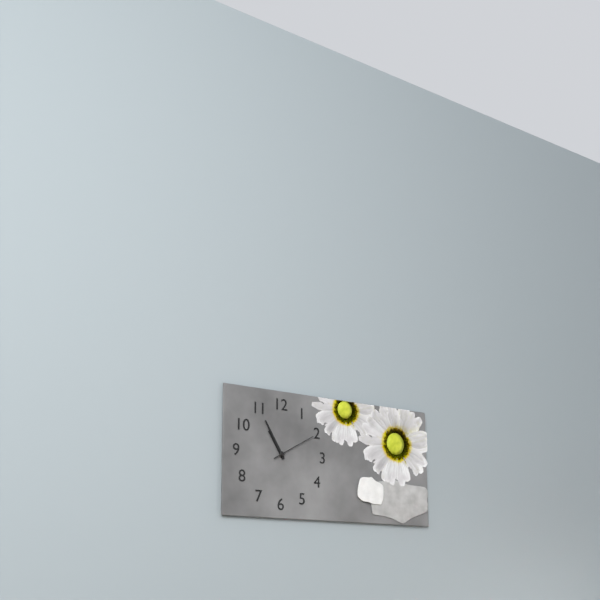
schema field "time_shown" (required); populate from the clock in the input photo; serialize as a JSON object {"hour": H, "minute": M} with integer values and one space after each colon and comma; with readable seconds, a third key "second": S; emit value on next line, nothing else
{"hour": 10, "minute": 55}
